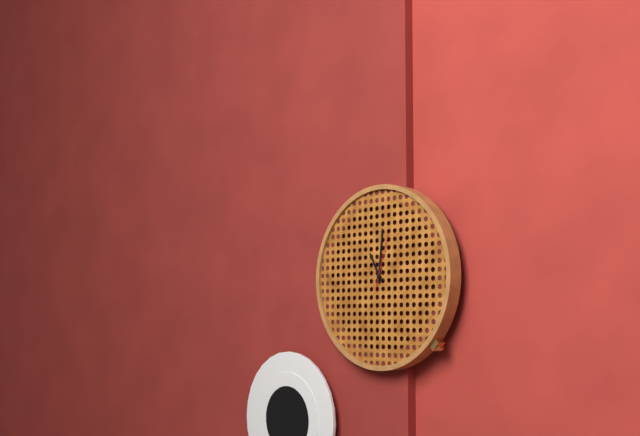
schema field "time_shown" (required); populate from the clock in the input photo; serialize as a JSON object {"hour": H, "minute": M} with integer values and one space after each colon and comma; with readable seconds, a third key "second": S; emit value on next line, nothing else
{"hour": 11, "minute": 1, "second": 3}
